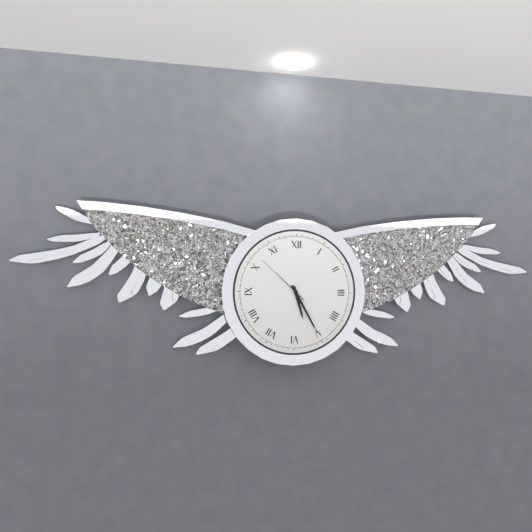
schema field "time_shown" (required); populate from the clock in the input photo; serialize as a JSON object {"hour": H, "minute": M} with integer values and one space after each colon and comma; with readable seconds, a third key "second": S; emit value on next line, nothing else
{"hour": 5, "minute": 25, "second": 52}
